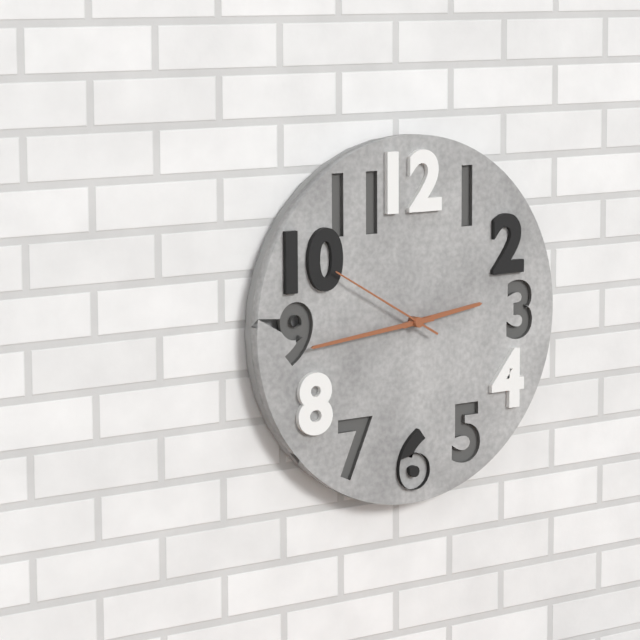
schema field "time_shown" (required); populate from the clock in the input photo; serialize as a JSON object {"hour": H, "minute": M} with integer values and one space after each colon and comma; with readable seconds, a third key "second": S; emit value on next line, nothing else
{"hour": 2, "minute": 44, "second": 50}
